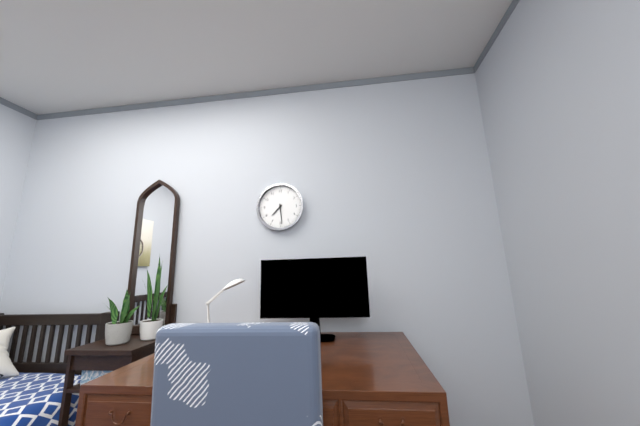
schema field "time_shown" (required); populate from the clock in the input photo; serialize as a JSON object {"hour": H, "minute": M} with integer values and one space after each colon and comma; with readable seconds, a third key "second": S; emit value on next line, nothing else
{"hour": 7, "minute": 29}
